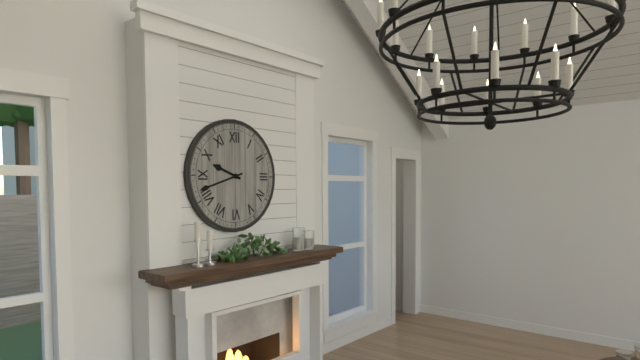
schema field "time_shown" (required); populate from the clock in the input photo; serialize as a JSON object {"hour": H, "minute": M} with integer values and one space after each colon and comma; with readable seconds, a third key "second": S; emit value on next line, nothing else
{"hour": 9, "minute": 42}
